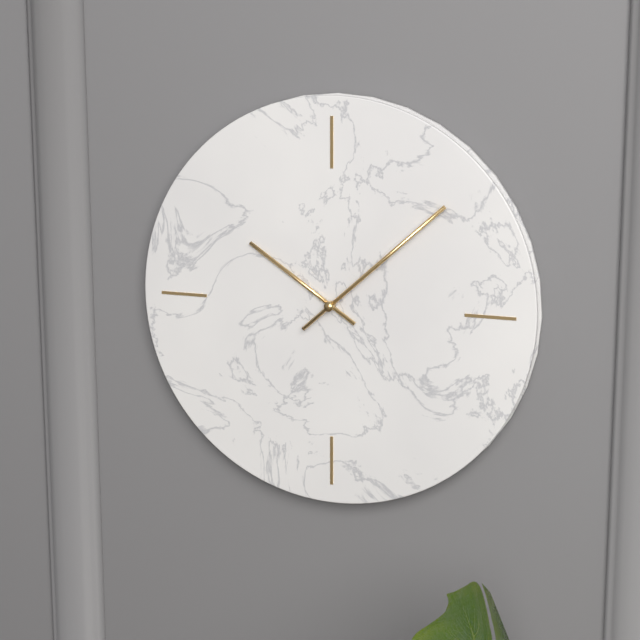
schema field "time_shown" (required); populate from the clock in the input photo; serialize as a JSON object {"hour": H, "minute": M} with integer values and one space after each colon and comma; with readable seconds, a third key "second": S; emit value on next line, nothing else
{"hour": 10, "minute": 8}
